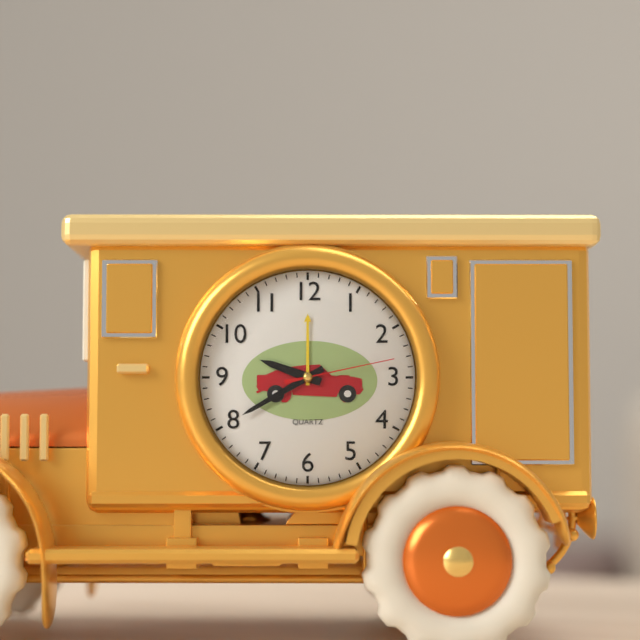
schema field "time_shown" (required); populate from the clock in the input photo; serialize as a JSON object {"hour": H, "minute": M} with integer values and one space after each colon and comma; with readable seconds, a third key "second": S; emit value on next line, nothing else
{"hour": 9, "minute": 40, "second": 13}
